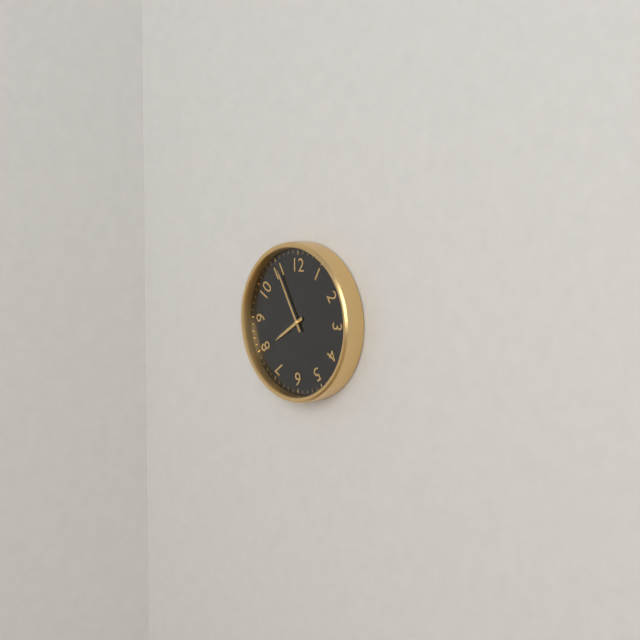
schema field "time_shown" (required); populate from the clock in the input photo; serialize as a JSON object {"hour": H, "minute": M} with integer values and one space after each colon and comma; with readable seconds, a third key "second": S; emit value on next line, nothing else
{"hour": 7, "minute": 55}
